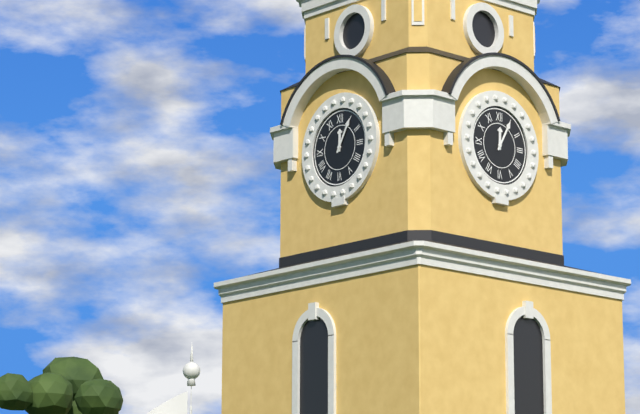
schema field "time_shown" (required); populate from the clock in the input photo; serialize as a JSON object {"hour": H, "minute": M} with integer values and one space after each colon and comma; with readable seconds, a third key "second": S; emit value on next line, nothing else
{"hour": 12, "minute": 5}
